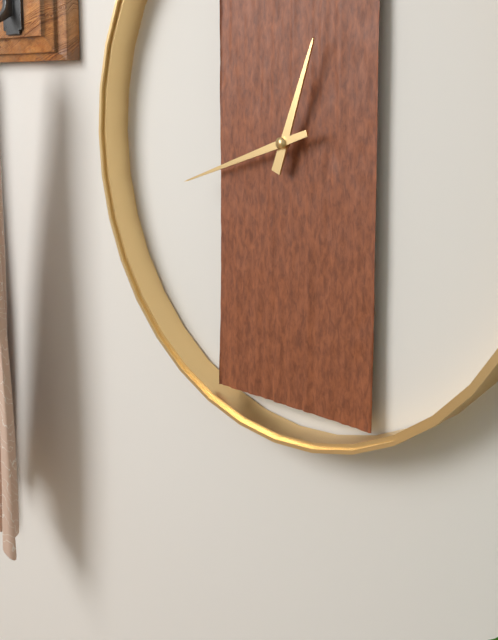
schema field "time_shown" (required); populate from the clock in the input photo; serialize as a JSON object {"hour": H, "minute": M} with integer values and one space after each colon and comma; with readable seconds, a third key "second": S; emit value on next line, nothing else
{"hour": 12, "minute": 42}
